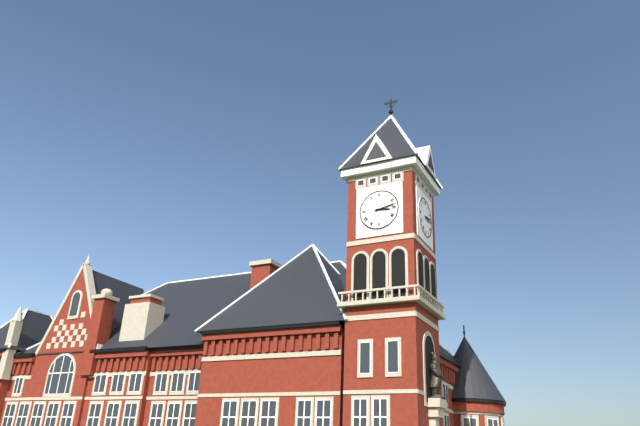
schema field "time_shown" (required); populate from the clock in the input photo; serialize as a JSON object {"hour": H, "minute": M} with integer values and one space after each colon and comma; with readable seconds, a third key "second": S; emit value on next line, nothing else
{"hour": 3, "minute": 13}
